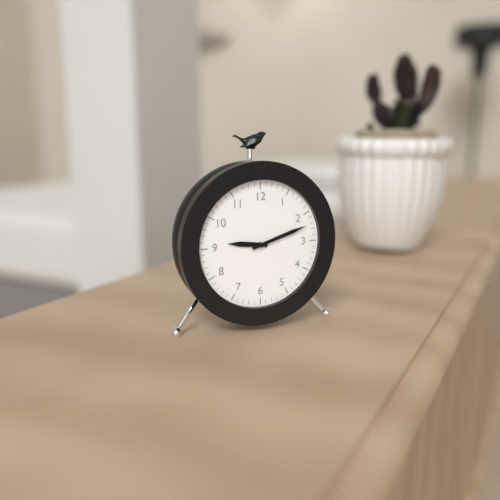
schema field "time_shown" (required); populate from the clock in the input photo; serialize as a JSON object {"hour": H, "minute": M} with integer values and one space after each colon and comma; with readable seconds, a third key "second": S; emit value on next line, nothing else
{"hour": 9, "minute": 12}
